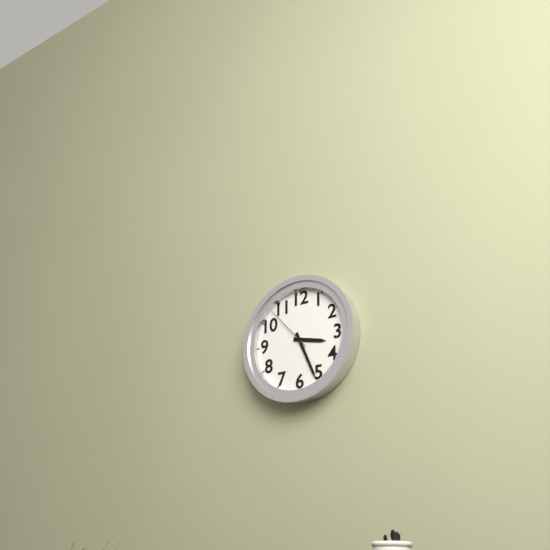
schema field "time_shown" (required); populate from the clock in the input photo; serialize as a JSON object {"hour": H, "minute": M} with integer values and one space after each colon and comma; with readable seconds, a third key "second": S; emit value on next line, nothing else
{"hour": 3, "minute": 26, "second": 53}
